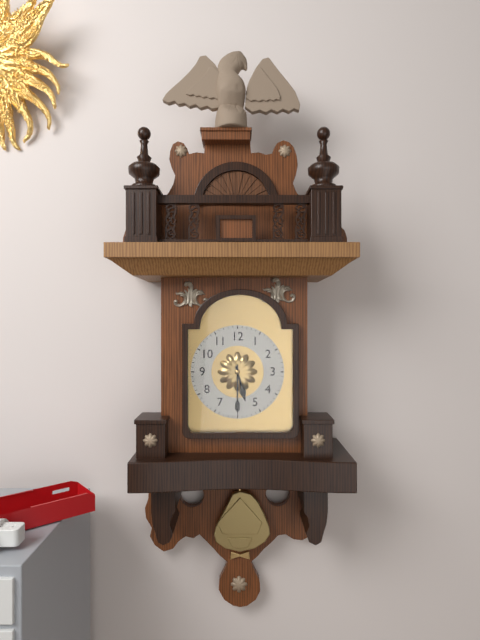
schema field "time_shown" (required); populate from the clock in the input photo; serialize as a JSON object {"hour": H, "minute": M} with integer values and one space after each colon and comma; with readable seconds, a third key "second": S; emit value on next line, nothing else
{"hour": 5, "minute": 30}
